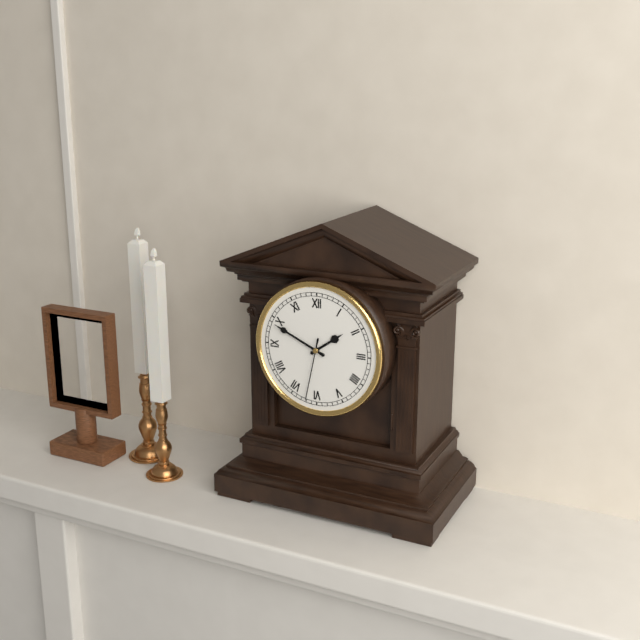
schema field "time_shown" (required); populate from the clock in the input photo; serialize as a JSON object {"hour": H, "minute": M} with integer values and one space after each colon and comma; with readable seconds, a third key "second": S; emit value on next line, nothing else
{"hour": 1, "minute": 49, "second": 32}
